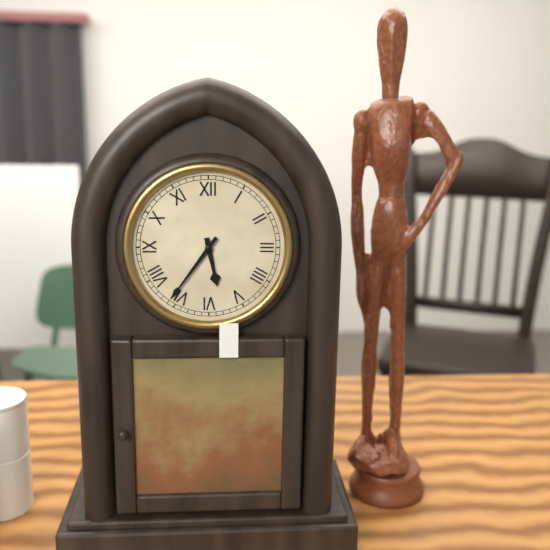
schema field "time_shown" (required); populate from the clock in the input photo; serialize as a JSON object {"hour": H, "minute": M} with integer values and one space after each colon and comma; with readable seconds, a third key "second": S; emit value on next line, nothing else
{"hour": 5, "minute": 36}
